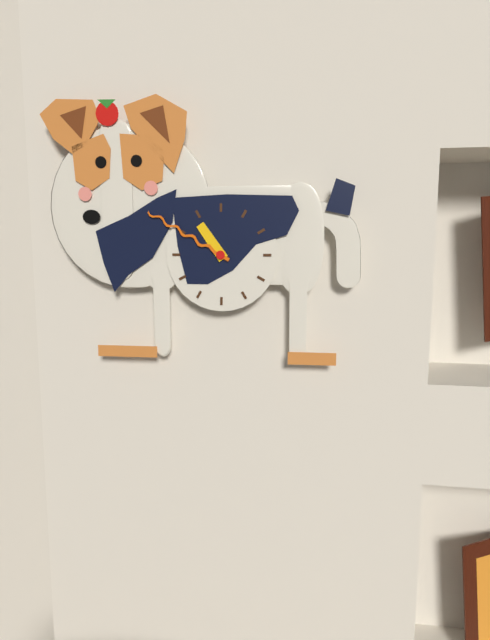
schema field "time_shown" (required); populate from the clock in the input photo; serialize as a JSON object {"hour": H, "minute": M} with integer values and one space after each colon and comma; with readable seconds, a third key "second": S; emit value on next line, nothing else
{"hour": 10, "minute": 50}
